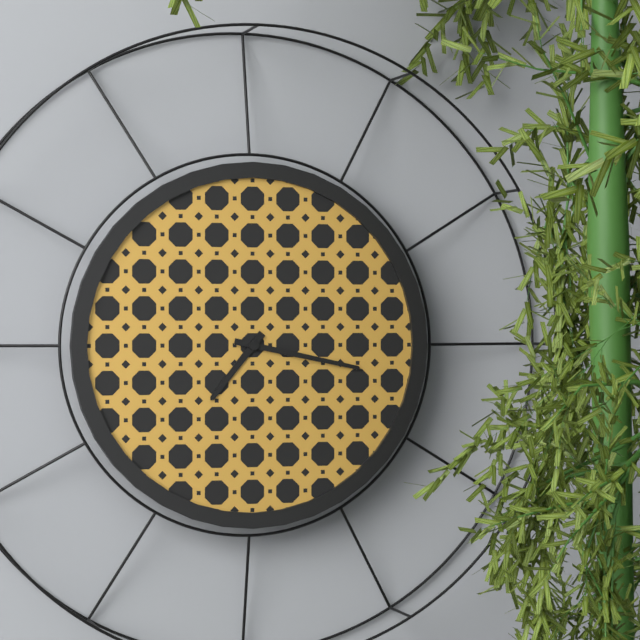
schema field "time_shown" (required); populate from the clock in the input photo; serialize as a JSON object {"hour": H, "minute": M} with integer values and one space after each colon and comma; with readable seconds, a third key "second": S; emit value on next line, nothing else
{"hour": 7, "minute": 17}
